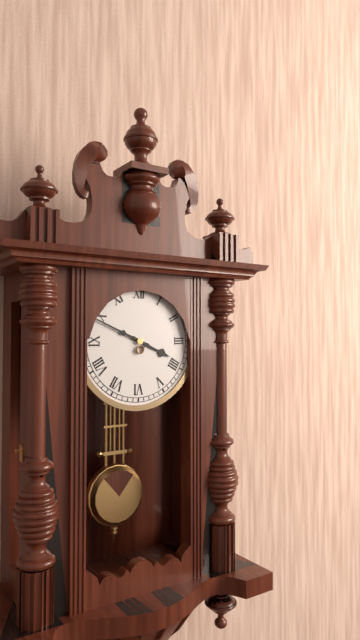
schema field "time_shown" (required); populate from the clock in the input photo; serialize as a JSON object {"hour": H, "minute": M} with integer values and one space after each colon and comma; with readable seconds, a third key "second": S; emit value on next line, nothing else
{"hour": 3, "minute": 49}
